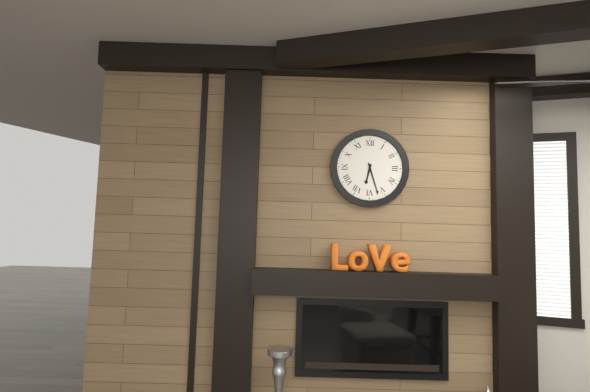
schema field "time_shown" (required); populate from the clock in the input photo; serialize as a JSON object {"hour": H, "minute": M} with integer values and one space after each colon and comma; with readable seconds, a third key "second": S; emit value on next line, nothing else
{"hour": 6, "minute": 27}
